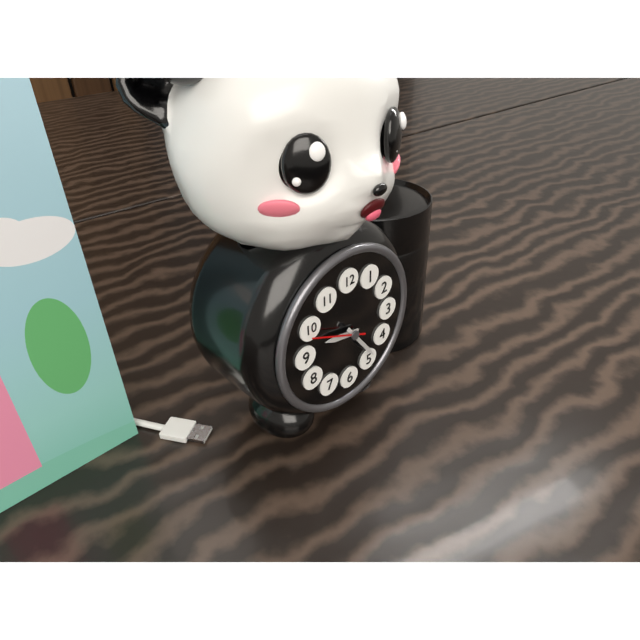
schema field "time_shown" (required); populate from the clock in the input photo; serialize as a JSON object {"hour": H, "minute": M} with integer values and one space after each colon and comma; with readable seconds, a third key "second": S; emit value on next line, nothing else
{"hour": 9, "minute": 24, "second": 49}
